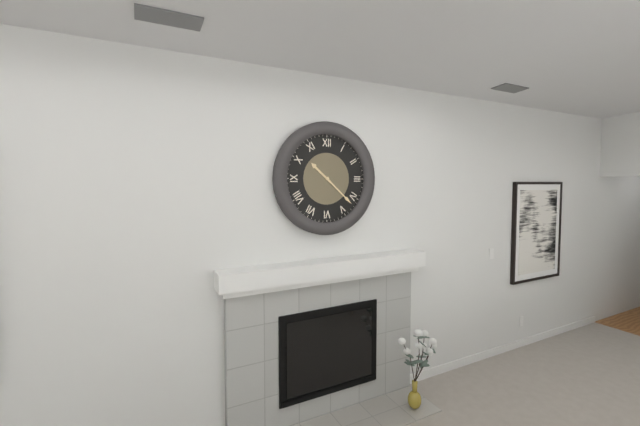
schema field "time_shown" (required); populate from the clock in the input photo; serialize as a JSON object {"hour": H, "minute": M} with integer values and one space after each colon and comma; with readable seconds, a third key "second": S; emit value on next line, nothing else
{"hour": 10, "minute": 22}
